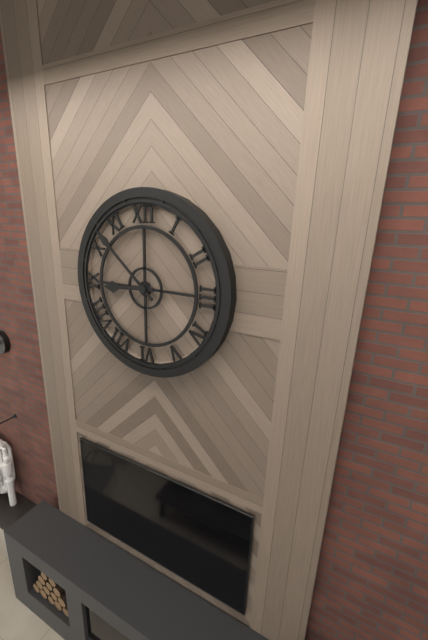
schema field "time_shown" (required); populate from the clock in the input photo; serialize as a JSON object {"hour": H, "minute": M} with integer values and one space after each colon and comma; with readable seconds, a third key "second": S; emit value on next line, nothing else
{"hour": 8, "minute": 52}
